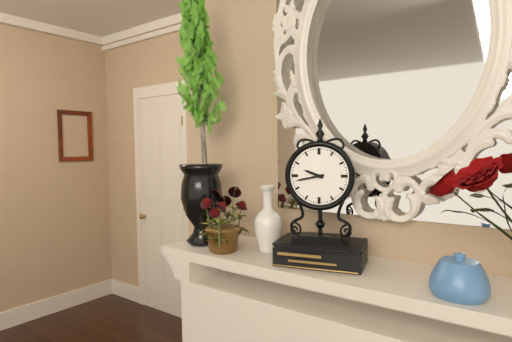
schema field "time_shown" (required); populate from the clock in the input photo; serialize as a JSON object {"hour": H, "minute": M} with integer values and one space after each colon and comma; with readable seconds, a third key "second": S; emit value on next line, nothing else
{"hour": 9, "minute": 43}
